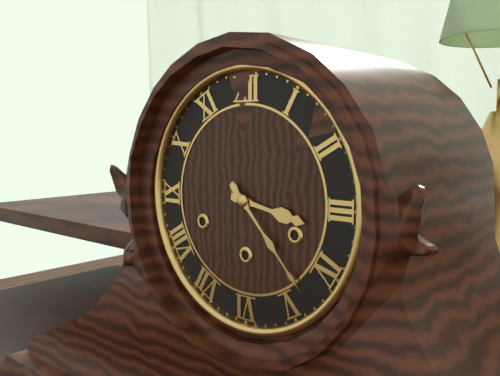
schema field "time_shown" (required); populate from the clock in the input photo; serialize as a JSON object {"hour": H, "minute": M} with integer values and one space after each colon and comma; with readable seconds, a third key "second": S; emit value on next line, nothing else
{"hour": 3, "minute": 23}
